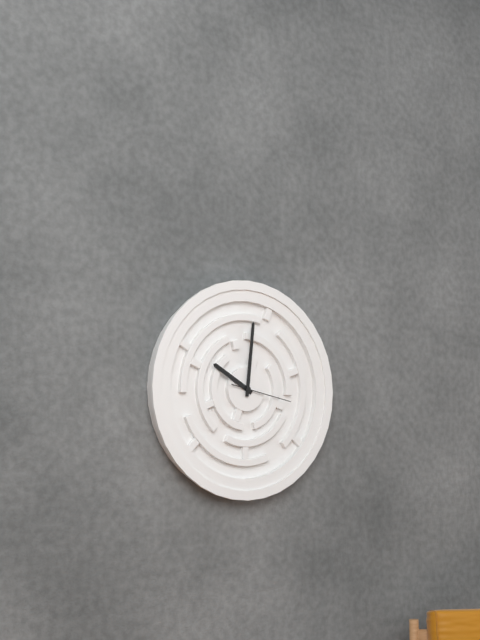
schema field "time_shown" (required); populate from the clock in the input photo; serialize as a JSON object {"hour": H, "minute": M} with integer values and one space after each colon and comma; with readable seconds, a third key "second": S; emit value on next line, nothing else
{"hour": 10, "minute": 1, "second": 17}
